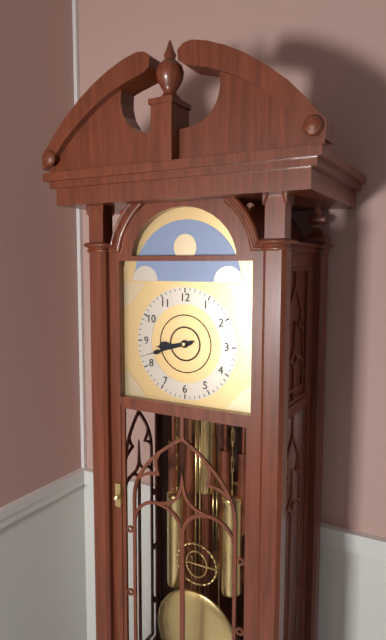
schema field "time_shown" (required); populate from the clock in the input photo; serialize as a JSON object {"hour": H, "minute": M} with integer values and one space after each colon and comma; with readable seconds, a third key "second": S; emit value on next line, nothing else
{"hour": 8, "minute": 42}
